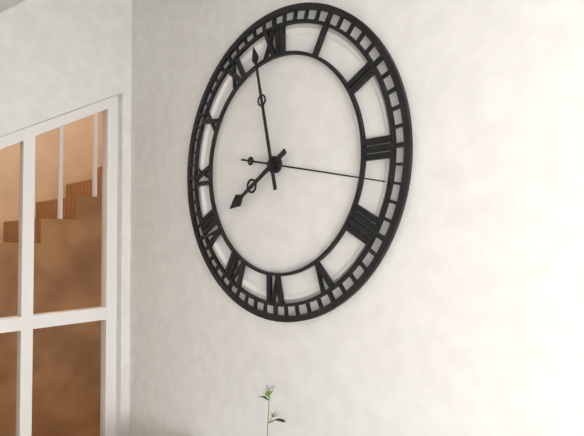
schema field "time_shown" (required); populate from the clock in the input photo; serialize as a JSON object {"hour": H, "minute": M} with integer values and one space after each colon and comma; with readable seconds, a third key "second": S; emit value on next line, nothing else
{"hour": 7, "minute": 58, "second": 17}
